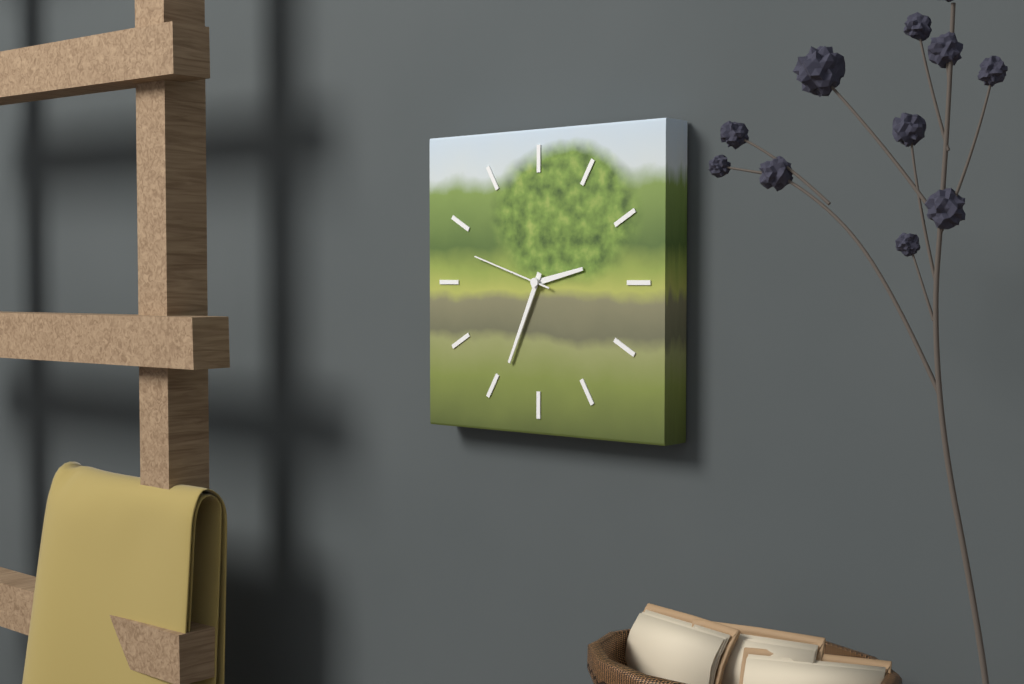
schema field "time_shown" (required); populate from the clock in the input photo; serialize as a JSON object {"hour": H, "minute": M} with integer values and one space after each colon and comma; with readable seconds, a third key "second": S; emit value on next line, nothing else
{"hour": 2, "minute": 34, "second": 48}
